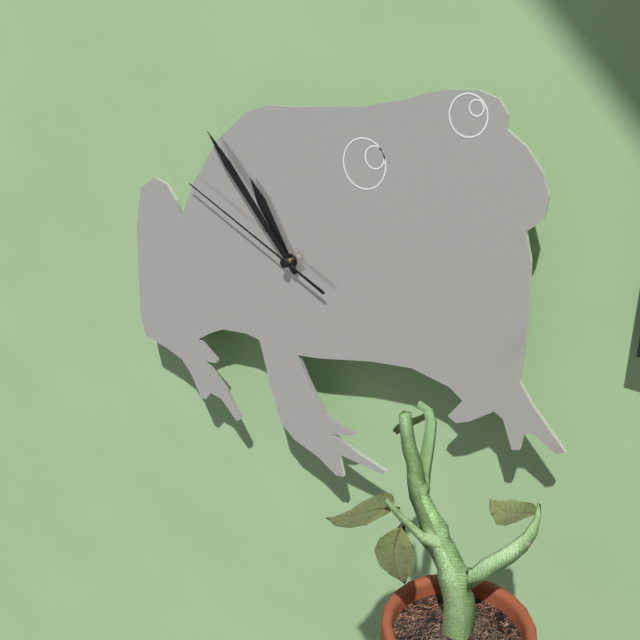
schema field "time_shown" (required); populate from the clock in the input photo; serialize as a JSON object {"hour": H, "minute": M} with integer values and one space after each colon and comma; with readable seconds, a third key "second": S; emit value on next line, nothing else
{"hour": 10, "minute": 53, "second": 49}
